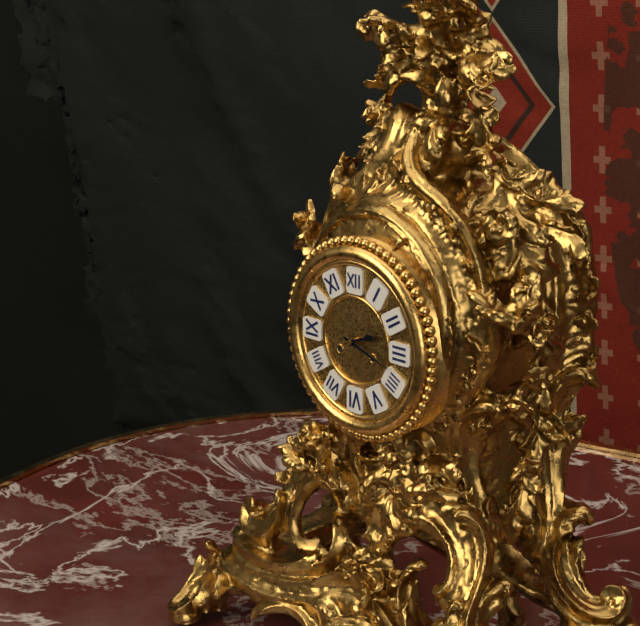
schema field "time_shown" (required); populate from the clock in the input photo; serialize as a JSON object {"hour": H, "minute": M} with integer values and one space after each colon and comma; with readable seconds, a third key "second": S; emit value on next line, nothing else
{"hour": 2, "minute": 18}
